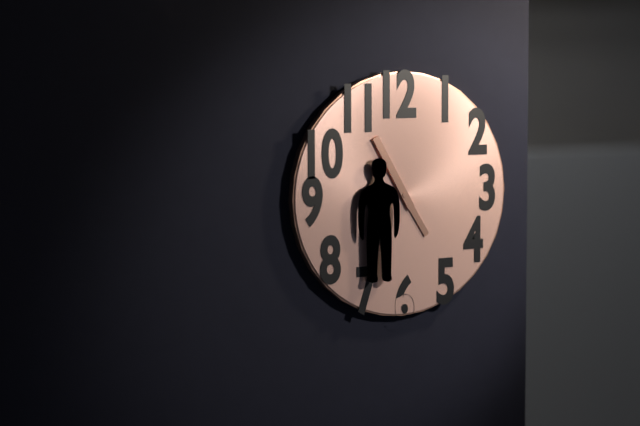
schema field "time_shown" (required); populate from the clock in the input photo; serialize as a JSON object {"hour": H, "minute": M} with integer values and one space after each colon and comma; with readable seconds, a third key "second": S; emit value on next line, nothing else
{"hour": 4, "minute": 55}
